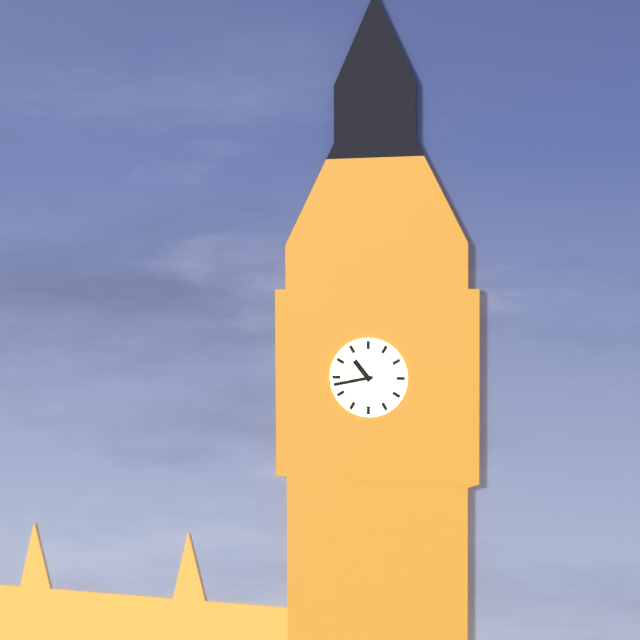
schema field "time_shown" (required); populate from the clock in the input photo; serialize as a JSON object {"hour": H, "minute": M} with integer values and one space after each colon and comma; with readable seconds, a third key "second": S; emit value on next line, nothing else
{"hour": 10, "minute": 43}
